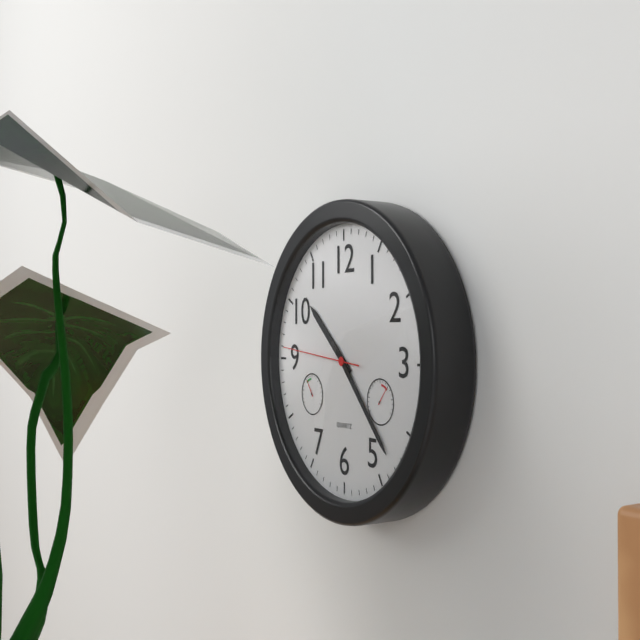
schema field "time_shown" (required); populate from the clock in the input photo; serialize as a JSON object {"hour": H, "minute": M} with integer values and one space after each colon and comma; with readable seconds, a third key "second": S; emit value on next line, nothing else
{"hour": 10, "minute": 23, "second": 46}
